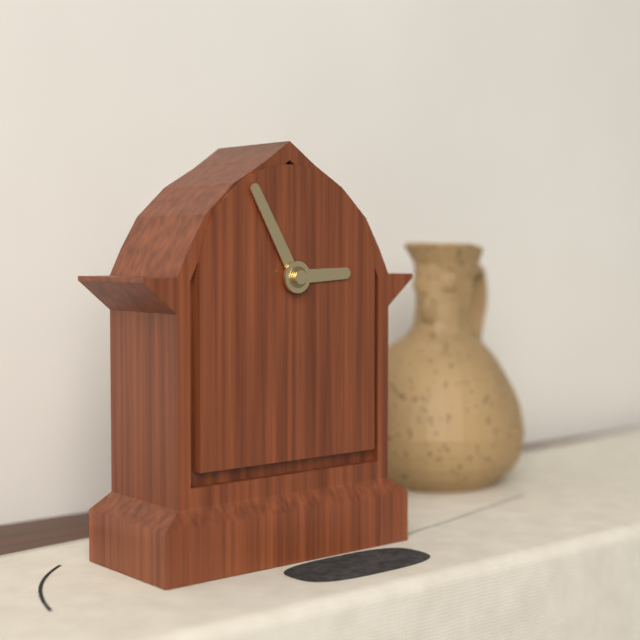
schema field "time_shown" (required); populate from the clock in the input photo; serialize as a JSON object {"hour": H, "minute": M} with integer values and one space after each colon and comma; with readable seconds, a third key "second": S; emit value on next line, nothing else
{"hour": 2, "minute": 55}
